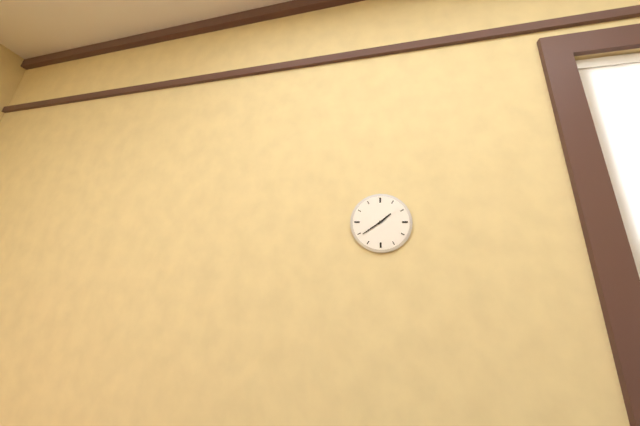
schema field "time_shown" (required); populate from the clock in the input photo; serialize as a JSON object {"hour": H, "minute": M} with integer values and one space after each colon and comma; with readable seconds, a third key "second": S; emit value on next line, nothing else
{"hour": 1, "minute": 39}
